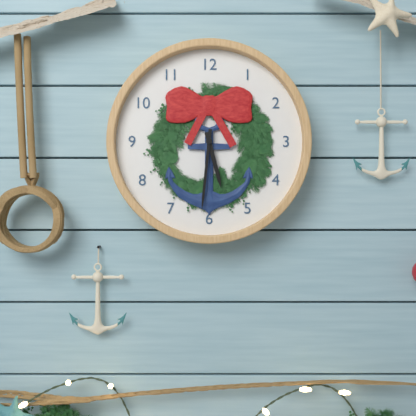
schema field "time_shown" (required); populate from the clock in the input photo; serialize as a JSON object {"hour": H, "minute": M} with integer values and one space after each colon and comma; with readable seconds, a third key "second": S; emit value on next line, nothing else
{"hour": 5, "minute": 31}
